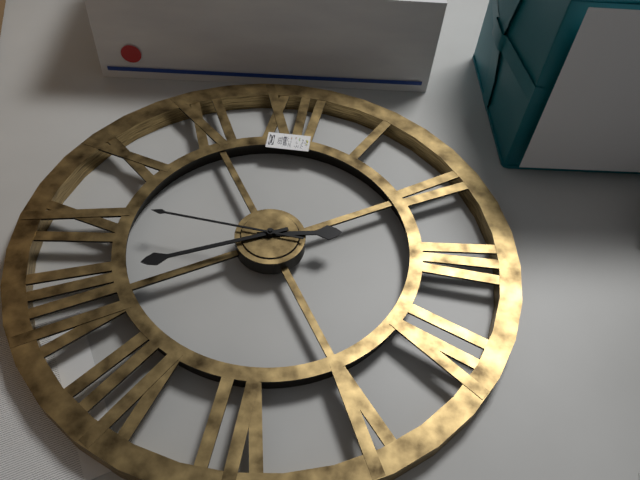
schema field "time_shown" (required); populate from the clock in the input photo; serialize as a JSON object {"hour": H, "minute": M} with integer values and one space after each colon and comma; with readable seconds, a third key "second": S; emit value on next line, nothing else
{"hour": 2, "minute": 41, "second": 46}
